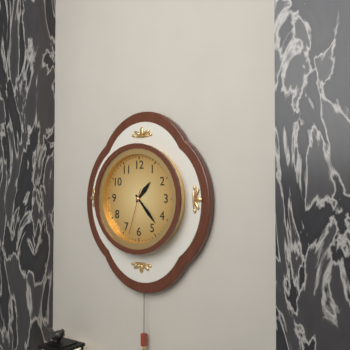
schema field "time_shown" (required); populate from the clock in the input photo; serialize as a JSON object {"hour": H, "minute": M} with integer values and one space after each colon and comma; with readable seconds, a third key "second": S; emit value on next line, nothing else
{"hour": 1, "minute": 23}
